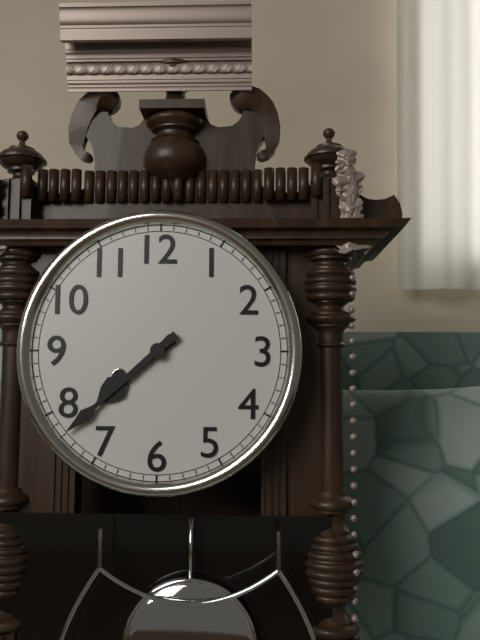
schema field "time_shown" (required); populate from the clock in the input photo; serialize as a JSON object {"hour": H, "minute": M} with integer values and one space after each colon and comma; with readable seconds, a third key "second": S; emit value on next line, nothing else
{"hour": 7, "minute": 38}
